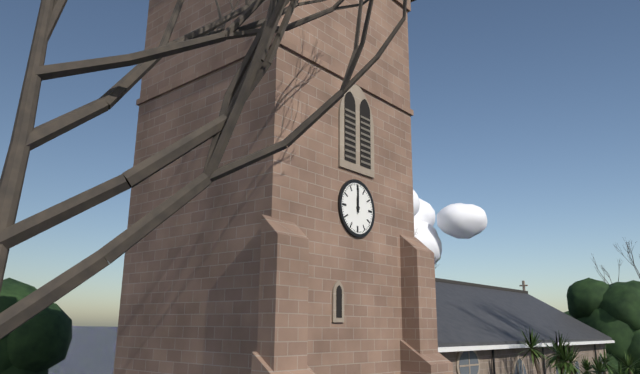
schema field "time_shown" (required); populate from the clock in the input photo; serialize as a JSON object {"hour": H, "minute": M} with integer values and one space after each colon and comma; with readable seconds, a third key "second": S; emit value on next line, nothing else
{"hour": 12, "minute": 0}
